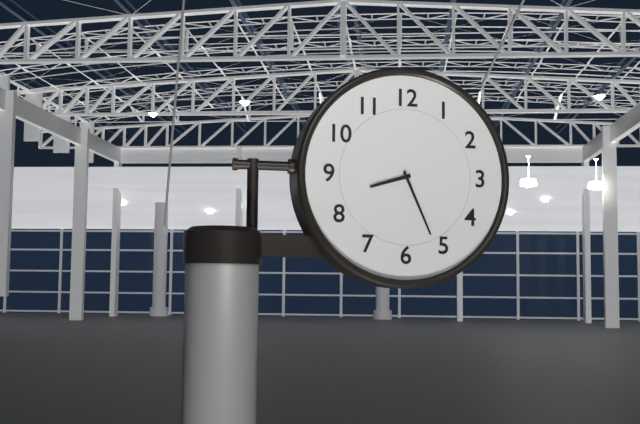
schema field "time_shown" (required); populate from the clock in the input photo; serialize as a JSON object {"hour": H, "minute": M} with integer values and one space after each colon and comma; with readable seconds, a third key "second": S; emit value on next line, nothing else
{"hour": 8, "minute": 26}
